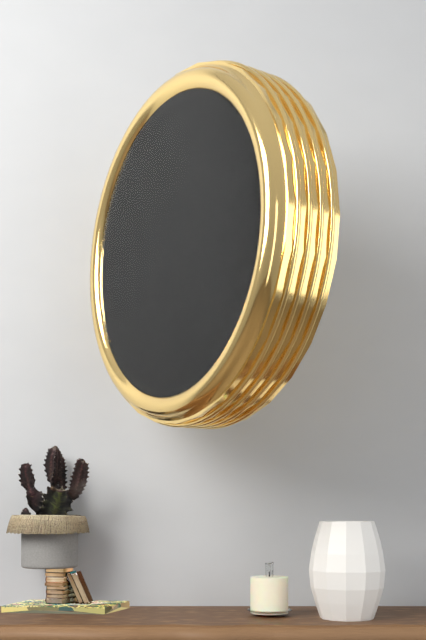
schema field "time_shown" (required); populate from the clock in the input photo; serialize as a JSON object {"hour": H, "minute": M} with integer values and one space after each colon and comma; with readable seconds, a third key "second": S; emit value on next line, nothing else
{"hour": 3, "minute": 3, "second": 34}
